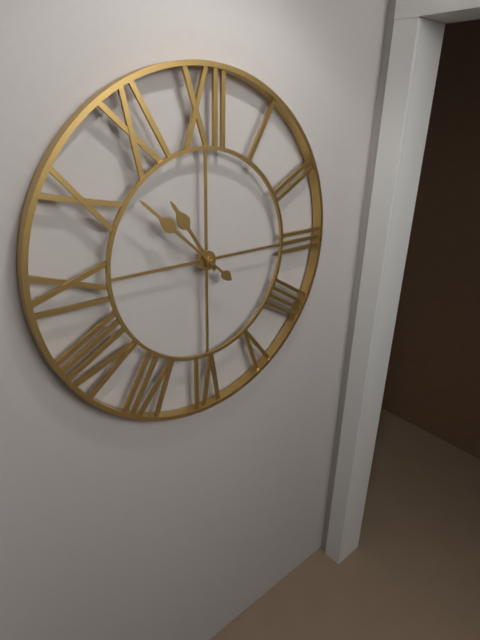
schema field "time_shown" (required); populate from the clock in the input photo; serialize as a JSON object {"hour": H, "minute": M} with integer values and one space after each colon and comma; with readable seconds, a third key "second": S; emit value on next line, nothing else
{"hour": 10, "minute": 52}
